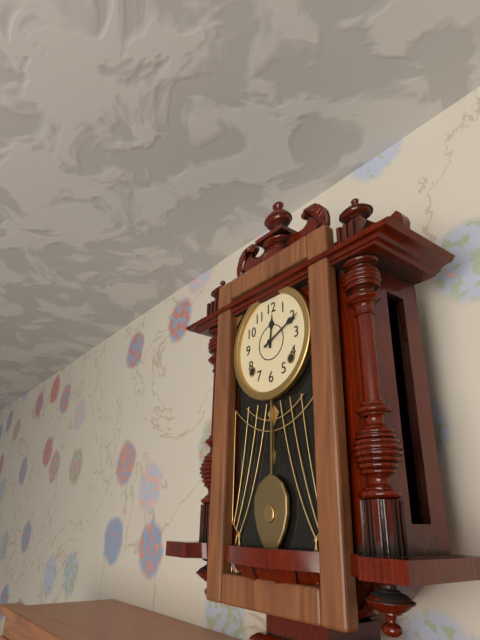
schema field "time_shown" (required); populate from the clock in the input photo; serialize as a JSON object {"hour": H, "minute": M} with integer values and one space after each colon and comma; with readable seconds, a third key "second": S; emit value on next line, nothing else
{"hour": 12, "minute": 11}
